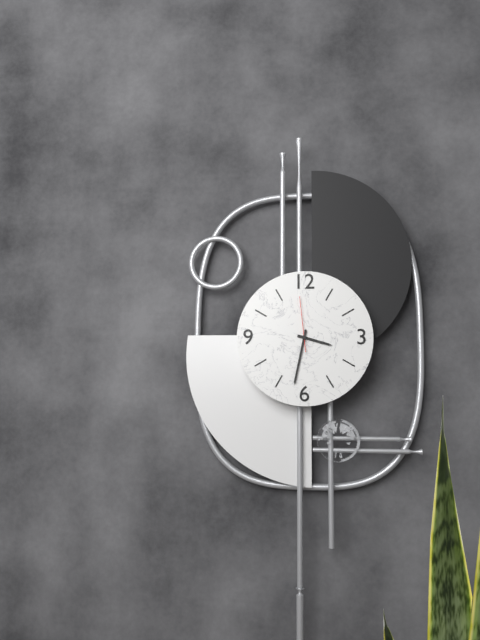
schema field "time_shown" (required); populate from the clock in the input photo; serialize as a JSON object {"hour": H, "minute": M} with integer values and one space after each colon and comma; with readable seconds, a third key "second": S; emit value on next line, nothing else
{"hour": 3, "minute": 32, "second": 59}
